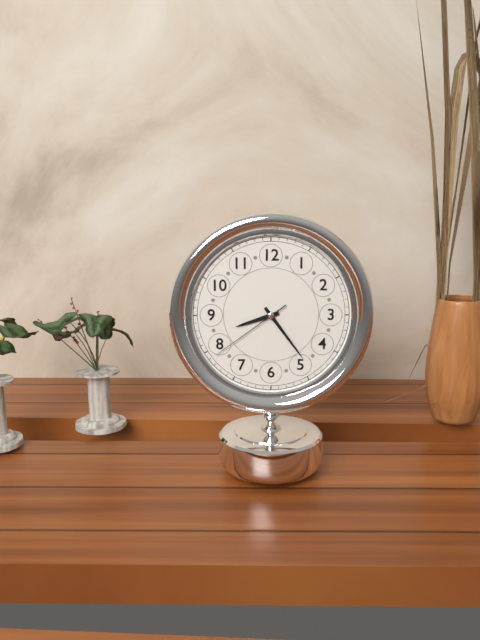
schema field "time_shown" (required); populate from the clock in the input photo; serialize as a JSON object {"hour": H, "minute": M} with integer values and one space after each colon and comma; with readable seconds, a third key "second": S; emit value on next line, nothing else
{"hour": 8, "minute": 24, "second": 39}
